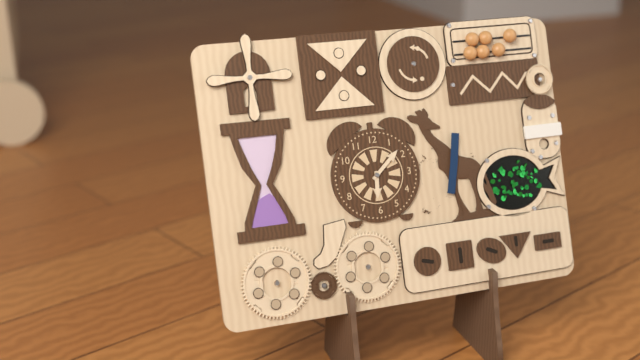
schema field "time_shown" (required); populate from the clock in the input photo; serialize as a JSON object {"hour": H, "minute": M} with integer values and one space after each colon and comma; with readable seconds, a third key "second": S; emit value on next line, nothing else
{"hour": 6, "minute": 8}
